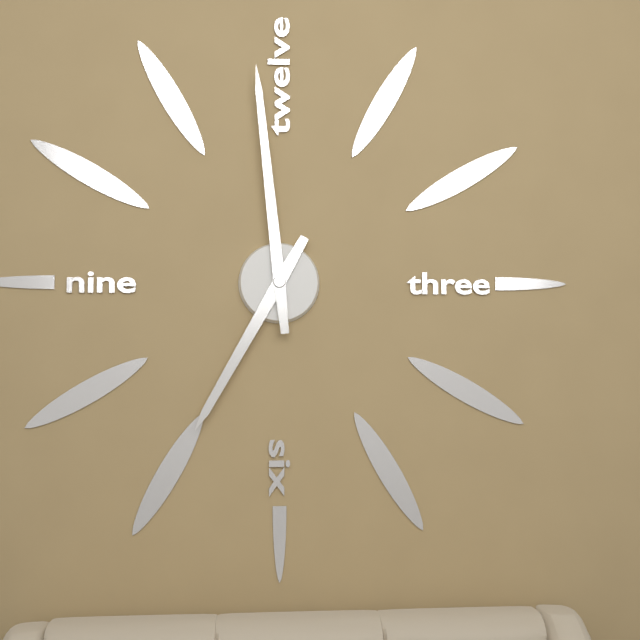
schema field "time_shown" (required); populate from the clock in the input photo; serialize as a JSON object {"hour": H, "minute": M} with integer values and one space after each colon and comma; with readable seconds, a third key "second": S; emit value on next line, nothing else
{"hour": 6, "minute": 59}
